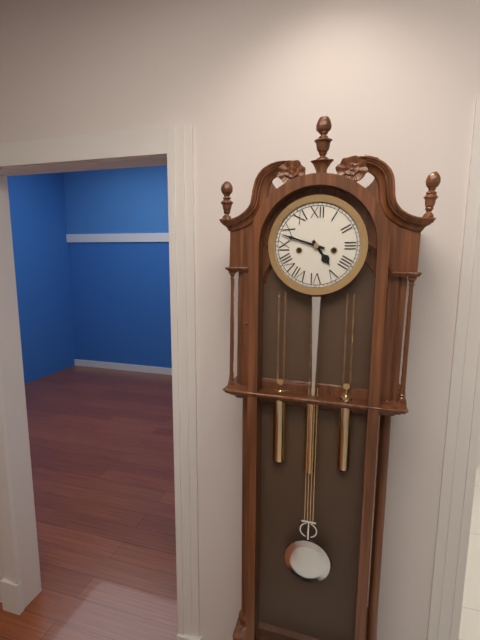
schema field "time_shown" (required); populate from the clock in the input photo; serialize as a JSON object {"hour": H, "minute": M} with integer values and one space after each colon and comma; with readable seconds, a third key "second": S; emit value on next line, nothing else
{"hour": 4, "minute": 48}
